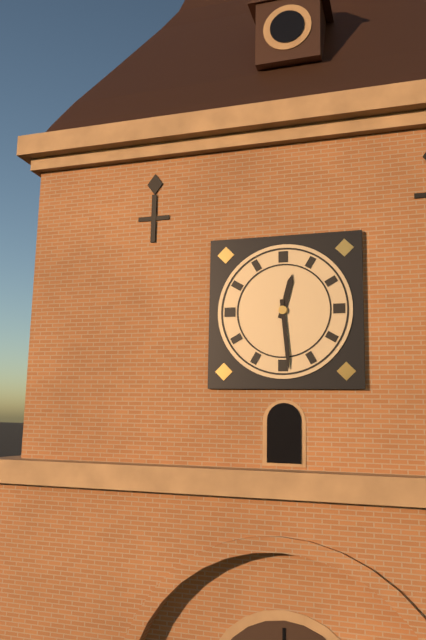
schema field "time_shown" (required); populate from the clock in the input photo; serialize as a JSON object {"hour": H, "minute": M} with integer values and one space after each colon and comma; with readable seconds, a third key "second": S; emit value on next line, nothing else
{"hour": 12, "minute": 29}
